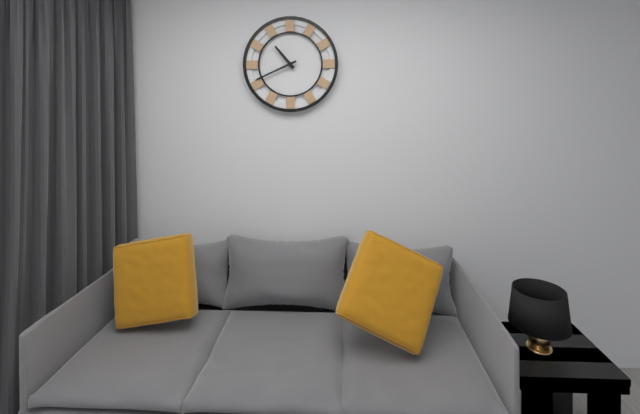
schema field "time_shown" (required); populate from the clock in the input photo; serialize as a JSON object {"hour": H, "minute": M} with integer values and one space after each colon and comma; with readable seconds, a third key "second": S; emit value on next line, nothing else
{"hour": 10, "minute": 41}
